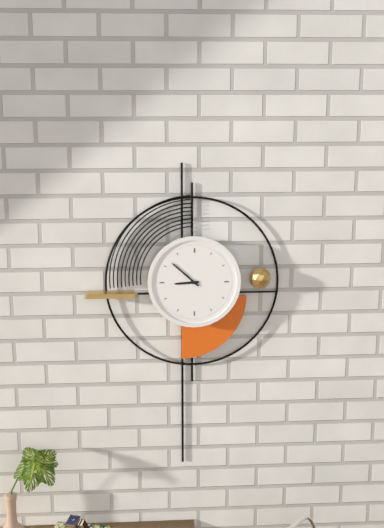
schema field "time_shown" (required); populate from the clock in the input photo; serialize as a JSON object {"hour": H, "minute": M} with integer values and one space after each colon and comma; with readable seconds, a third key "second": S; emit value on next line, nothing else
{"hour": 8, "minute": 52}
